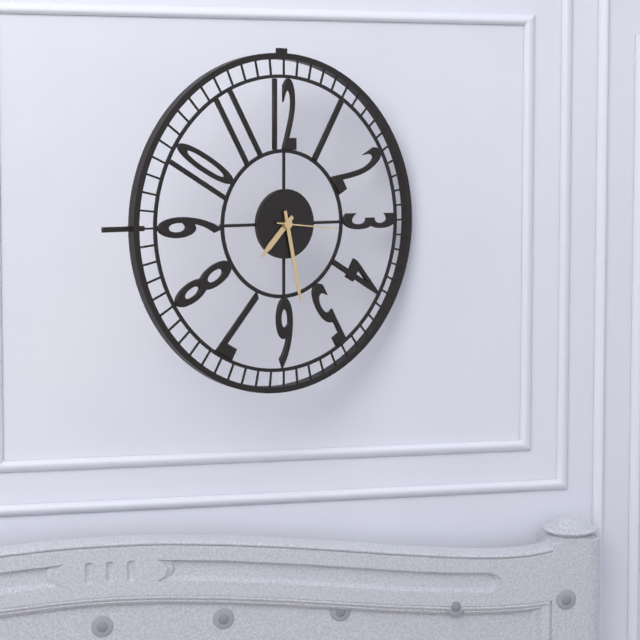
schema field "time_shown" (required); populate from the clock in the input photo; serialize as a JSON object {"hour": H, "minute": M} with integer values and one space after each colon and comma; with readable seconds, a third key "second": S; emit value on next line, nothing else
{"hour": 7, "minute": 28, "second": 16}
